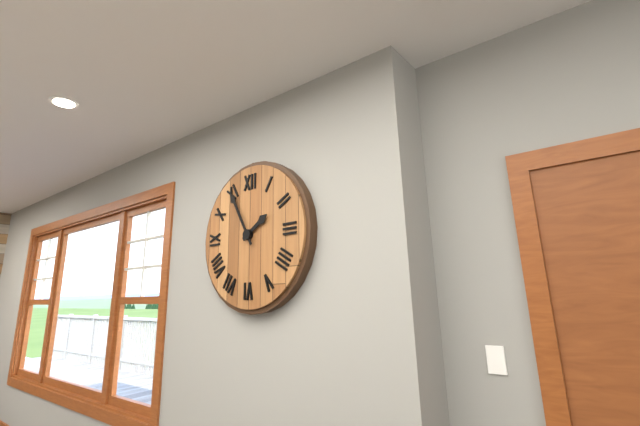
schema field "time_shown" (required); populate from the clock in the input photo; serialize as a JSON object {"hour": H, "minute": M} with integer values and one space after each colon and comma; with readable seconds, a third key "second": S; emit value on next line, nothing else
{"hour": 1, "minute": 55}
